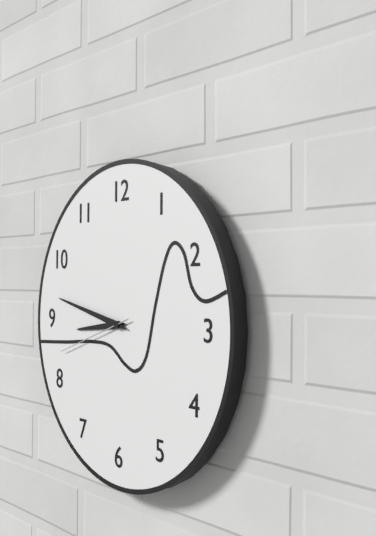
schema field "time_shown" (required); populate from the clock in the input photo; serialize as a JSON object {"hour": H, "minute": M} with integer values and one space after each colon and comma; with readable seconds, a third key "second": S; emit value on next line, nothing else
{"hour": 8, "minute": 47, "second": 42}
